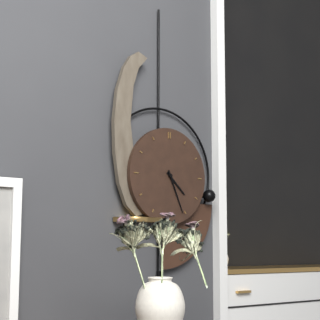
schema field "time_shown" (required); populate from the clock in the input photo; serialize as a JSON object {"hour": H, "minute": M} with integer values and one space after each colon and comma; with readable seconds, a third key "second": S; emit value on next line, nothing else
{"hour": 4, "minute": 26}
